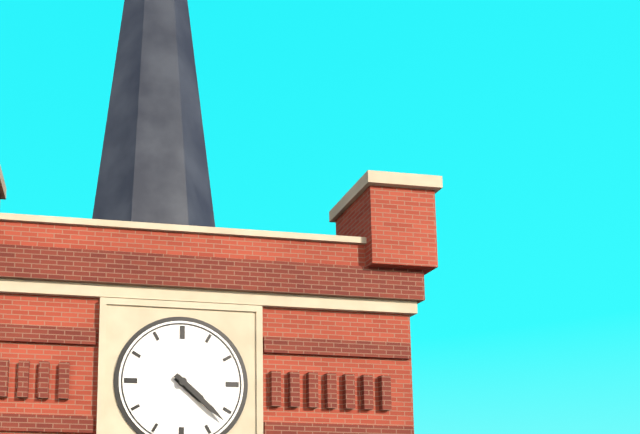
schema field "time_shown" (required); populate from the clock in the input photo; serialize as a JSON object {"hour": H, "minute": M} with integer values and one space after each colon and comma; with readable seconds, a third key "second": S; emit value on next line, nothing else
{"hour": 4, "minute": 22}
